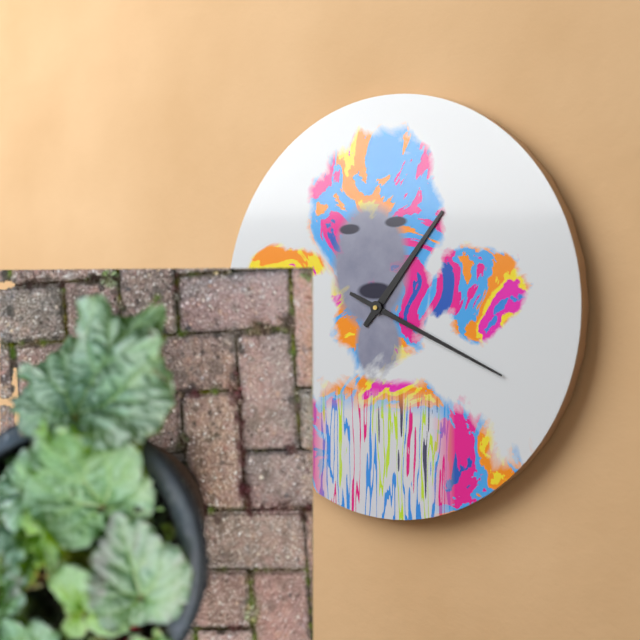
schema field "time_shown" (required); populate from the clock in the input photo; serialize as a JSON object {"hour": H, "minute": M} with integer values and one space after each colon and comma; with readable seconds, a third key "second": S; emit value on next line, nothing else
{"hour": 1, "minute": 19}
